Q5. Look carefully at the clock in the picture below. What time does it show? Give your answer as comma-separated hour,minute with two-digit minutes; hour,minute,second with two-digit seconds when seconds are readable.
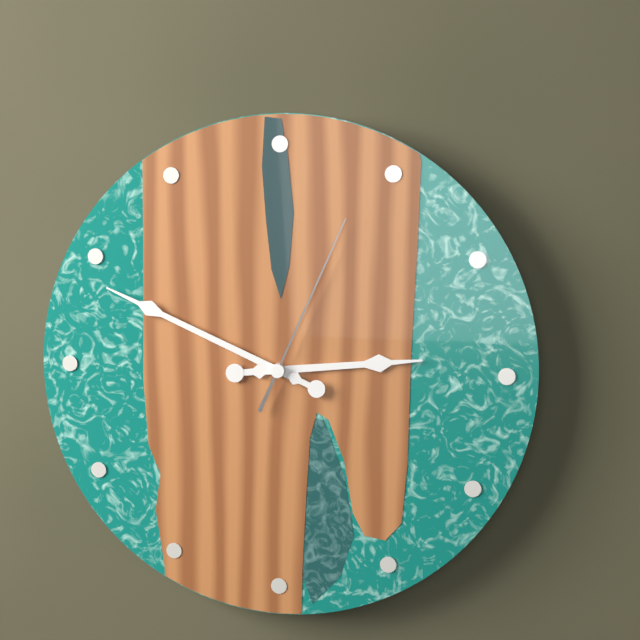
2,49,04
